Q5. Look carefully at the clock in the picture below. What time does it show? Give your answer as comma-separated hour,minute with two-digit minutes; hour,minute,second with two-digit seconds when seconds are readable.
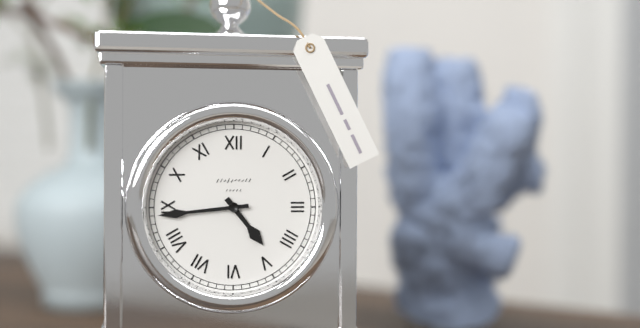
4,44
